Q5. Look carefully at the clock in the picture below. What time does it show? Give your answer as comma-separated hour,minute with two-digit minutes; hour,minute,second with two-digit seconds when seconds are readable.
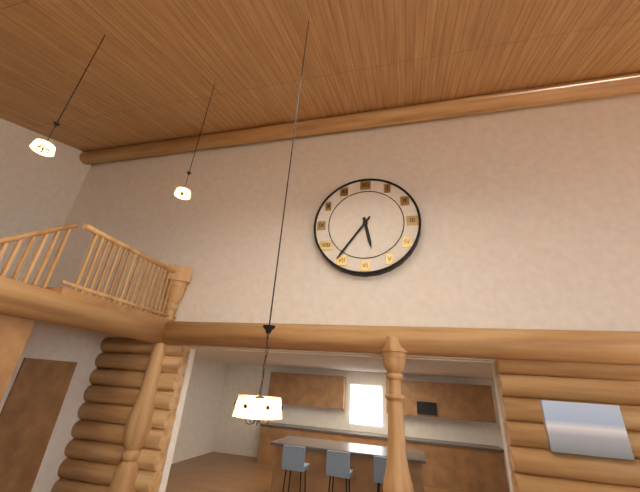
5,36
